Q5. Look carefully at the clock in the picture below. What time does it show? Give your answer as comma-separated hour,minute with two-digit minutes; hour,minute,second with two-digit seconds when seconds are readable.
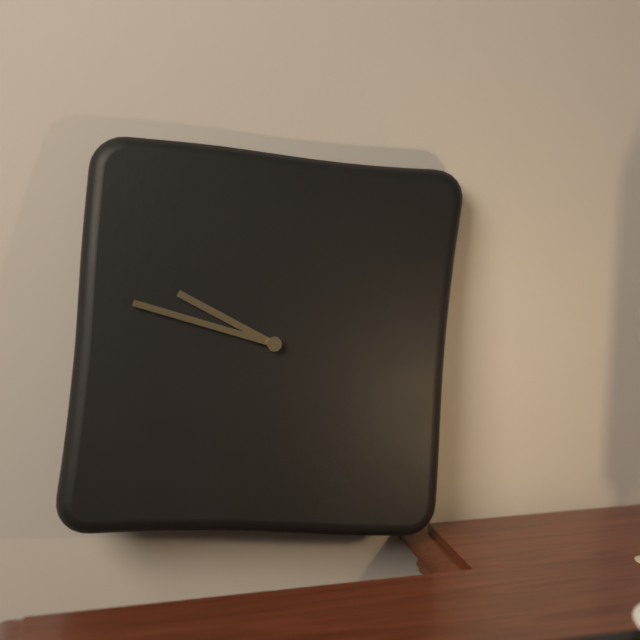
9,47
